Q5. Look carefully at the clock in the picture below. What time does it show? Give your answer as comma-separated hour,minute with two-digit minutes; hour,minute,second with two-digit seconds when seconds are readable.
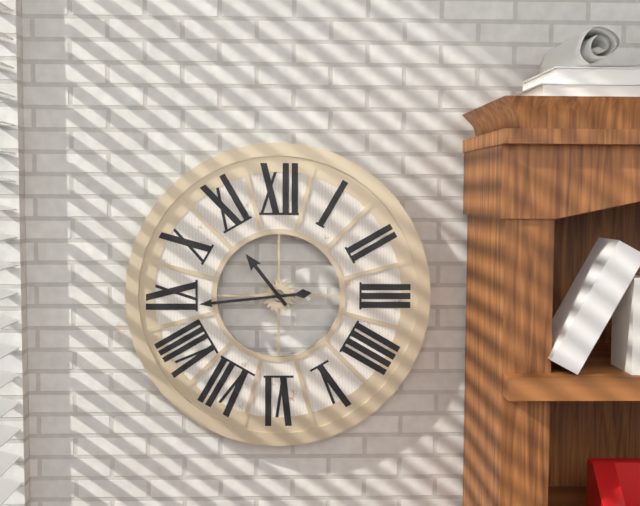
10,44
